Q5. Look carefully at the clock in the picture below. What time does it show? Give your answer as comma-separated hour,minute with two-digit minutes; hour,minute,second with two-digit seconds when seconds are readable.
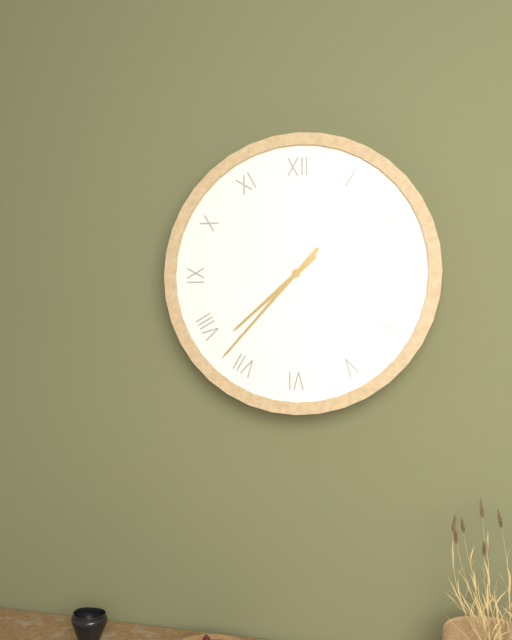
7,37
